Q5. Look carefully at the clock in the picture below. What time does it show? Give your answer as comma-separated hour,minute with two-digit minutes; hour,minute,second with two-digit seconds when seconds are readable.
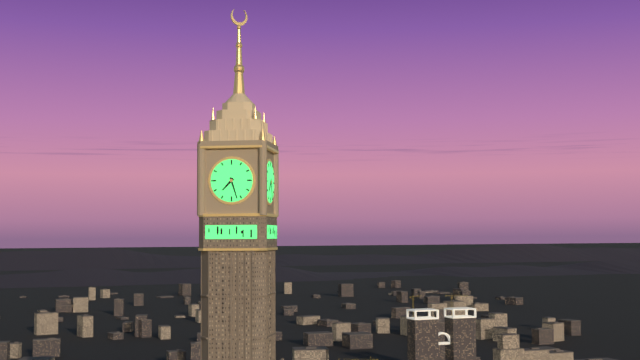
7,27
